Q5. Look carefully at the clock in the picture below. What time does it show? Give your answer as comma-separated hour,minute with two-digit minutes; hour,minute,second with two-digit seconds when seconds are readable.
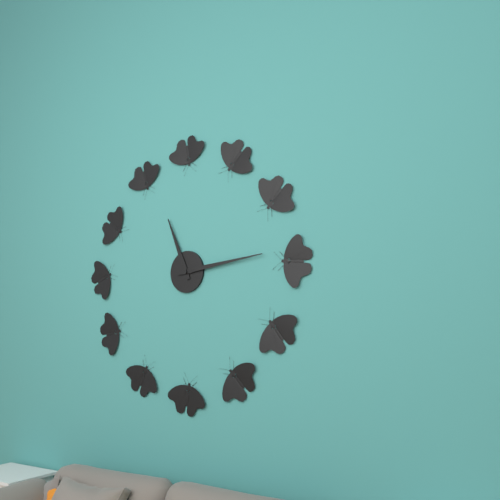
11,14
